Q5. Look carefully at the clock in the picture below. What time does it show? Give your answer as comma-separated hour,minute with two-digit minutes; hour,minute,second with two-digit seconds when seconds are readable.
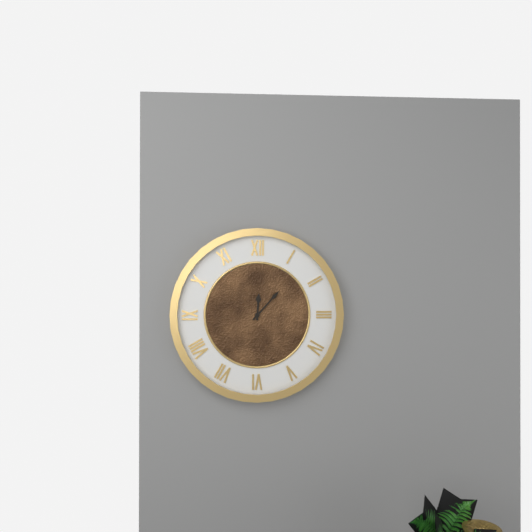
12,07
